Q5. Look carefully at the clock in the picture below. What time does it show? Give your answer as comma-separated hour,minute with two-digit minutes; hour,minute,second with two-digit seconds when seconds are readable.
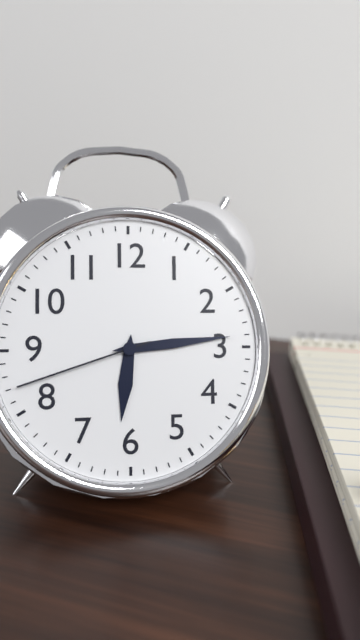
6,14,42
